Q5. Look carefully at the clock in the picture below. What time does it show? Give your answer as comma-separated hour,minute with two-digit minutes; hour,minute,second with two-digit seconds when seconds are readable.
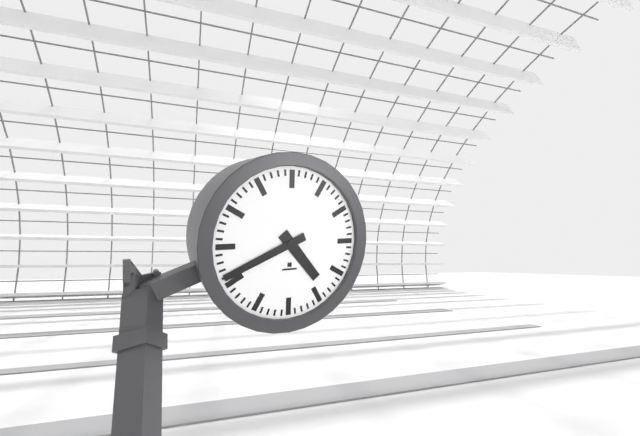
4,41
